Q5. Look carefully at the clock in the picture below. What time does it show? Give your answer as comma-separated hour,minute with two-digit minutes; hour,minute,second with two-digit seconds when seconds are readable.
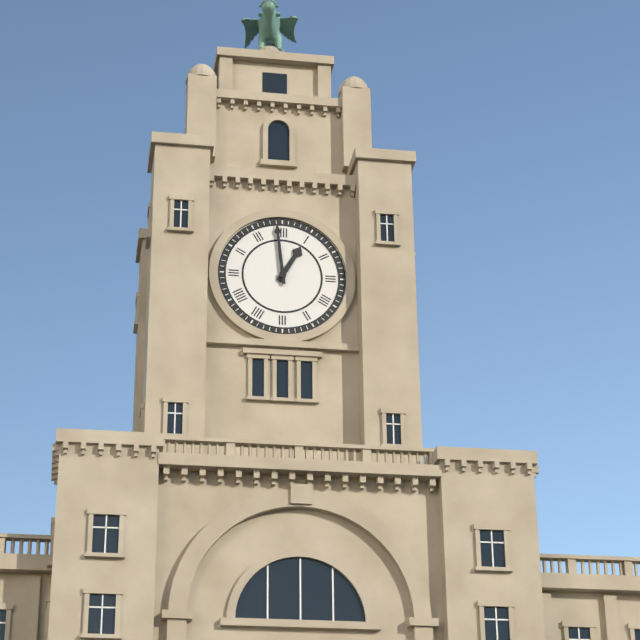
12,59
